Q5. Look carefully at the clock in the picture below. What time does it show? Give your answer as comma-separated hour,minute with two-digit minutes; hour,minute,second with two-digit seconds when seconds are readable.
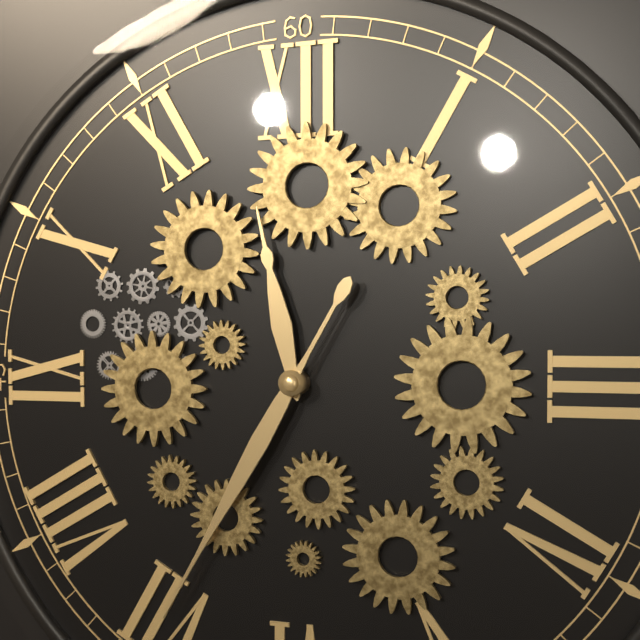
11,35
